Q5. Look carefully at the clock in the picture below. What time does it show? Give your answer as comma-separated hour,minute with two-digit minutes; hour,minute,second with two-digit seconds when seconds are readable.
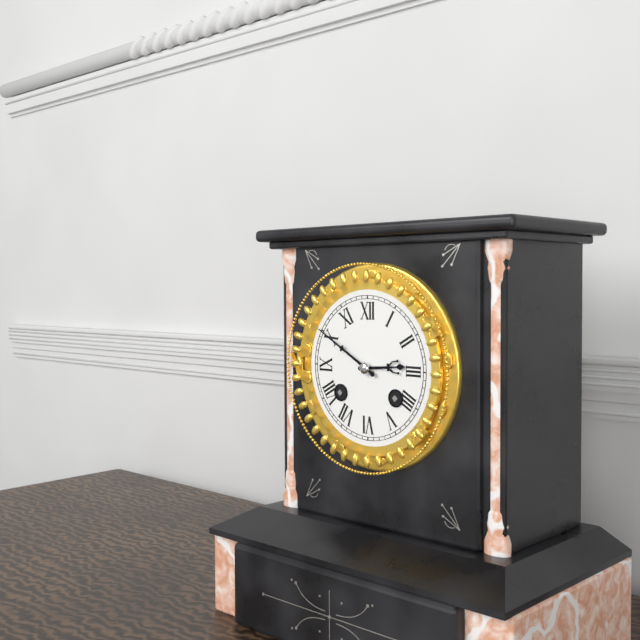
2,50
